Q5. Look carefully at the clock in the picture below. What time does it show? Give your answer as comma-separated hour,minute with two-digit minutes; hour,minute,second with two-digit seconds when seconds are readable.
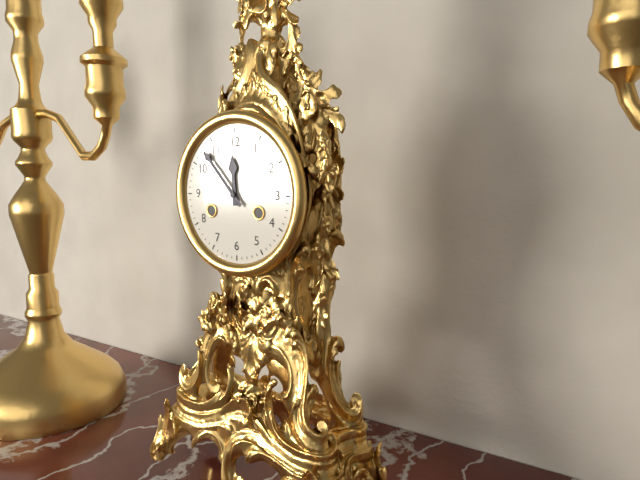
11,53
